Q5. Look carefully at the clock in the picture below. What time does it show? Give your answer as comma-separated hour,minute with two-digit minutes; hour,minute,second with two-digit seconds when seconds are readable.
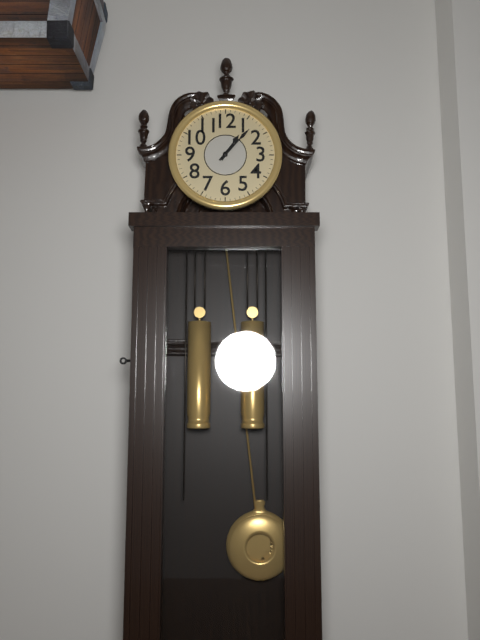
1,07
